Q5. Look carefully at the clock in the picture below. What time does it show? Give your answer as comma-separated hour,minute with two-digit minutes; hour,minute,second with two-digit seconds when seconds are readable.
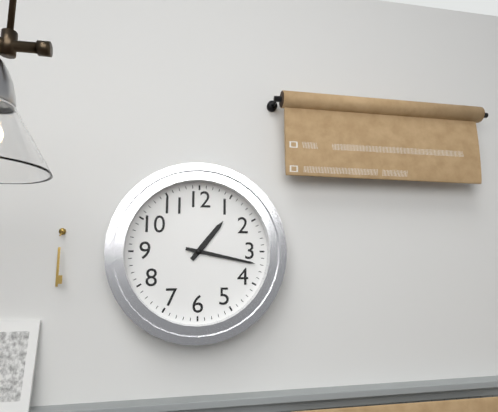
1,17
